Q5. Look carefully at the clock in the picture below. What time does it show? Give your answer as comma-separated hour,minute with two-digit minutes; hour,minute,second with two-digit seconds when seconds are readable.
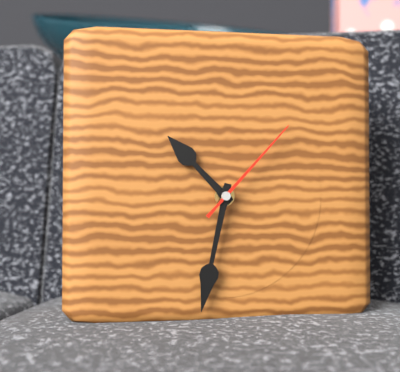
10,32,07
